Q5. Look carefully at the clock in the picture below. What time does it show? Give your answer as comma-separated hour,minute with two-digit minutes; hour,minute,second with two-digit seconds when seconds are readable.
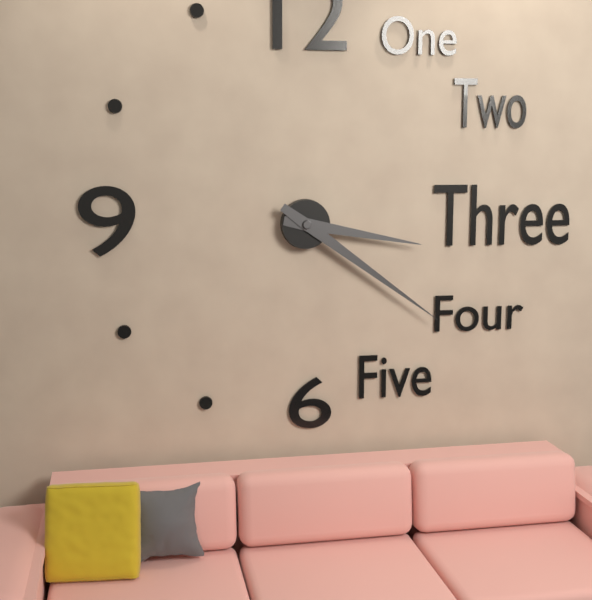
3,21
